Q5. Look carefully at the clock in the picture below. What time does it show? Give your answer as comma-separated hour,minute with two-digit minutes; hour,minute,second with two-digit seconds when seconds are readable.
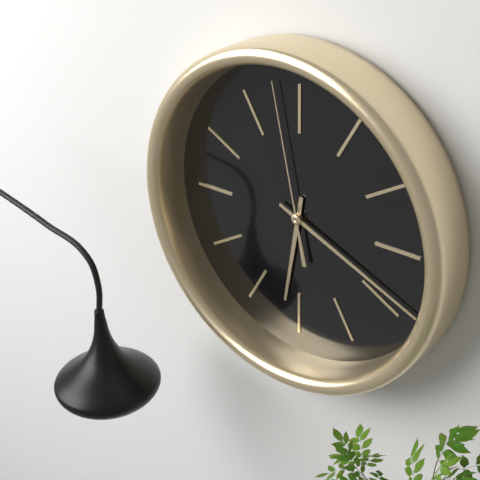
6,19,58
